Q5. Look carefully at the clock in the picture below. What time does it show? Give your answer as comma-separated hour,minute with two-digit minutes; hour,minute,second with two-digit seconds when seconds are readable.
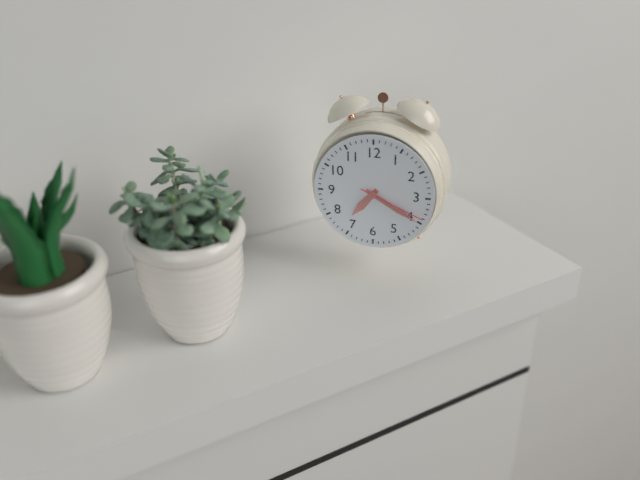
7,20,19
